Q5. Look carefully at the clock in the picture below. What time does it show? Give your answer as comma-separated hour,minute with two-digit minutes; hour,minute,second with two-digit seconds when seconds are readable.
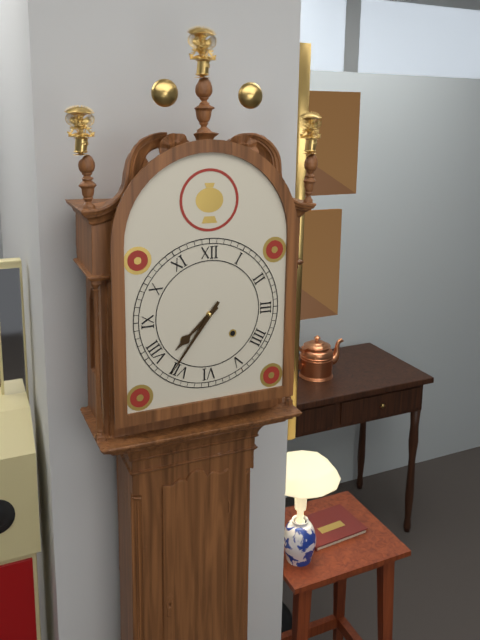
7,36
